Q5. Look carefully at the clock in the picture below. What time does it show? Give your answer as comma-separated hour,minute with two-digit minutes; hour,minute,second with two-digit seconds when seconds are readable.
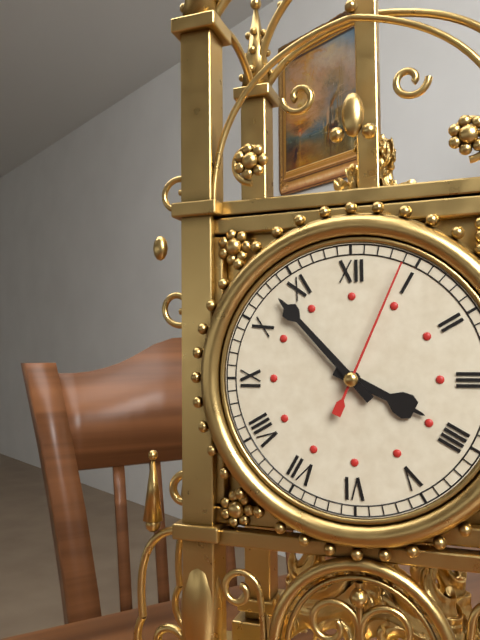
3,53,04
